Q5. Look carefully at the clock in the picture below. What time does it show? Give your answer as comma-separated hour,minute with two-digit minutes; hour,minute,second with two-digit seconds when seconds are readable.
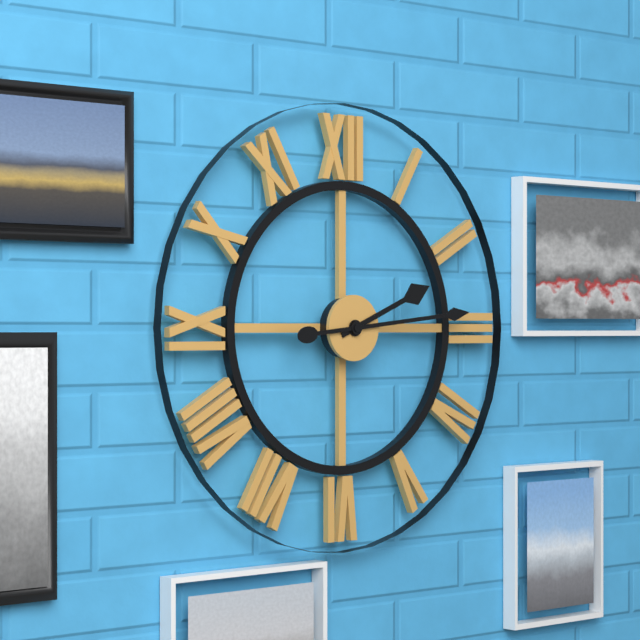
2,14
